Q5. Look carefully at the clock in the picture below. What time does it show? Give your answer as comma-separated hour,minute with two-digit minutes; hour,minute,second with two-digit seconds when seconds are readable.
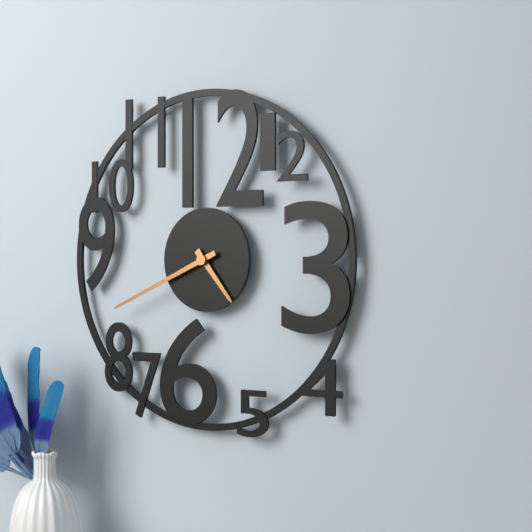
4,41
